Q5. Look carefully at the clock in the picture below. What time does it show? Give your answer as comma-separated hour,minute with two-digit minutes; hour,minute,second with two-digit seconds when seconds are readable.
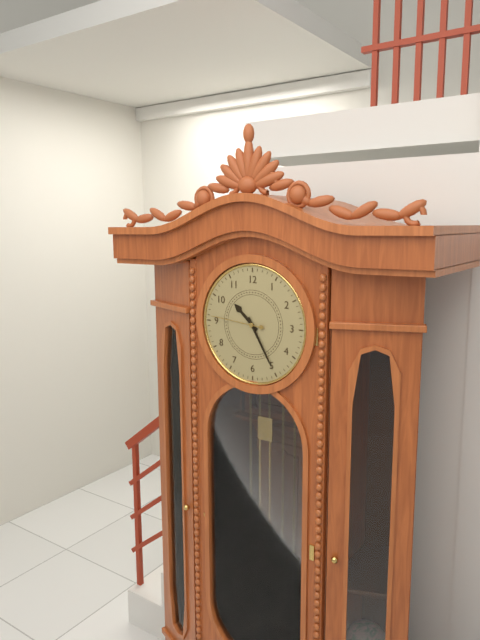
10,25,46
